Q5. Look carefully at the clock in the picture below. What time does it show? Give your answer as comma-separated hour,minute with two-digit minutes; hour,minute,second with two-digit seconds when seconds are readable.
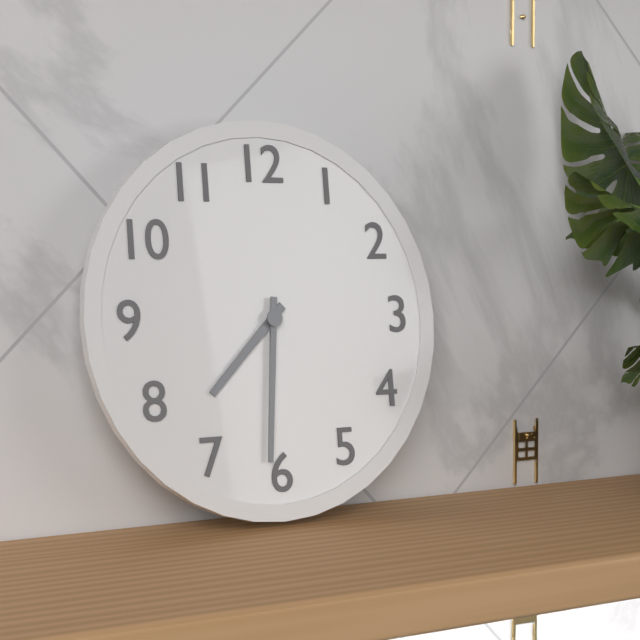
7,31
